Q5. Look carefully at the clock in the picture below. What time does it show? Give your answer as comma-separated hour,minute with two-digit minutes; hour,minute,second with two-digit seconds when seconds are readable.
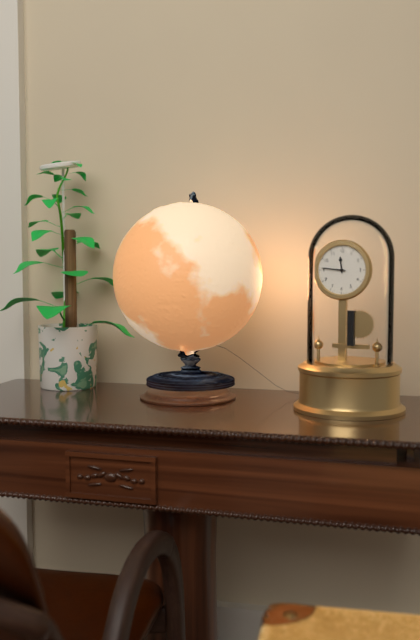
11,46
